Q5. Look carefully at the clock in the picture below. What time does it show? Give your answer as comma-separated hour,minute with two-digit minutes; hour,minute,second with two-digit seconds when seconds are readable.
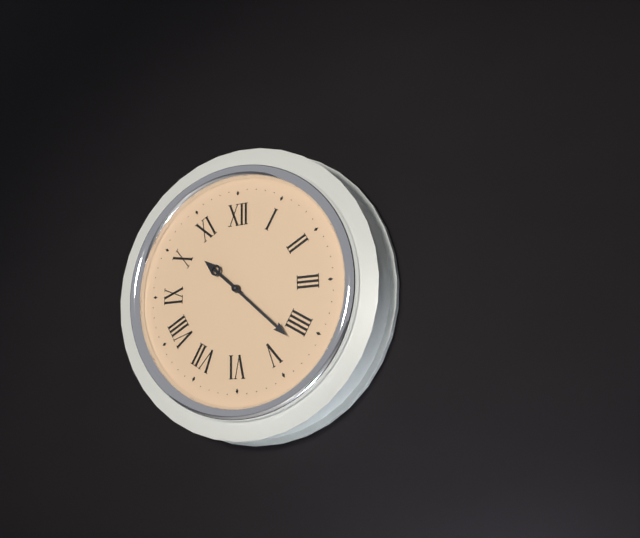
10,22
